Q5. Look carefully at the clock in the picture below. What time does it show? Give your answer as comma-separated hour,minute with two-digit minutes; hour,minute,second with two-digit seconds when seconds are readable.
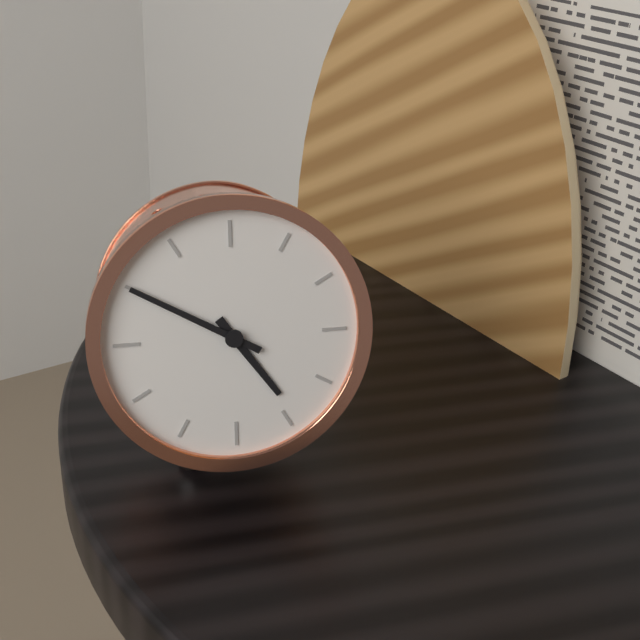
4,50
